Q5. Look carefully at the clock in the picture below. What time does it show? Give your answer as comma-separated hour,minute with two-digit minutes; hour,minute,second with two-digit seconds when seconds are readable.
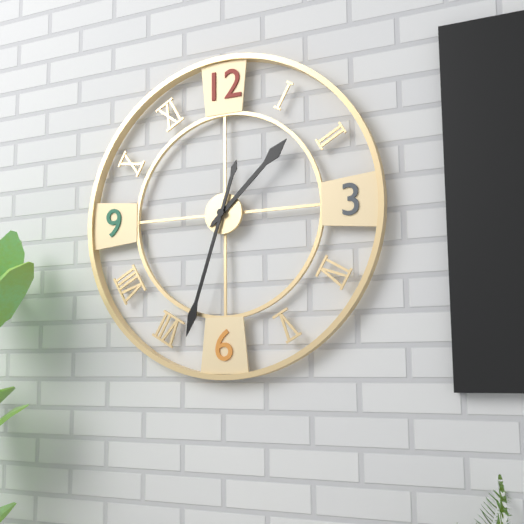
1,33
